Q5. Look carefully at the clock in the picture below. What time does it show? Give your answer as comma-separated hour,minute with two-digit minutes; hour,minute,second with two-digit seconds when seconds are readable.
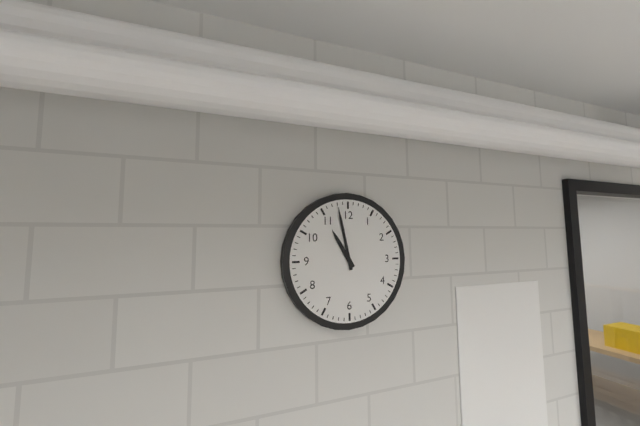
10,58
